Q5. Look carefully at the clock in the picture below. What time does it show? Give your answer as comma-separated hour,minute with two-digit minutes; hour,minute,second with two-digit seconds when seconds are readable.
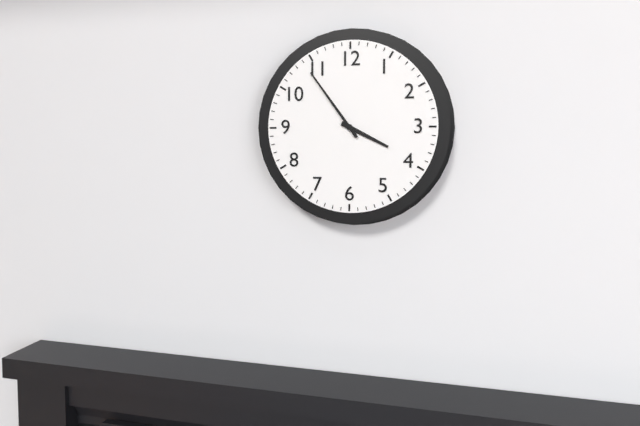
3,54
